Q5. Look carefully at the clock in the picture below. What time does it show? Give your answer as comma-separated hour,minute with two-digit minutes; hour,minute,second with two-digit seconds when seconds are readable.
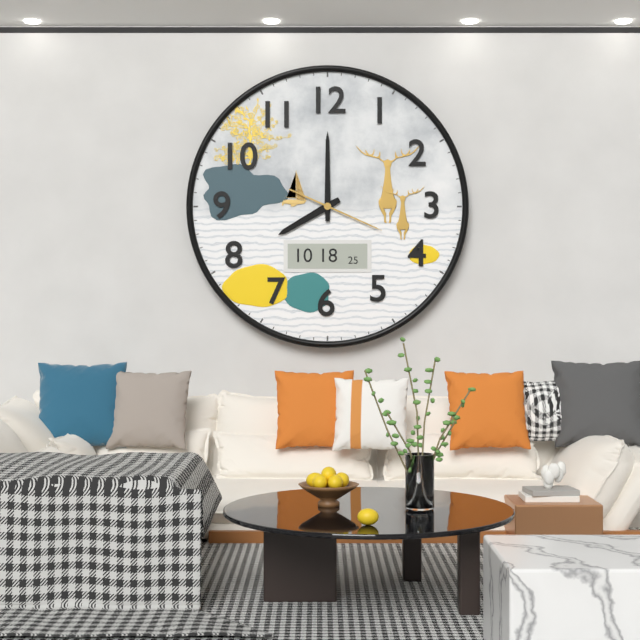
8,00,19
